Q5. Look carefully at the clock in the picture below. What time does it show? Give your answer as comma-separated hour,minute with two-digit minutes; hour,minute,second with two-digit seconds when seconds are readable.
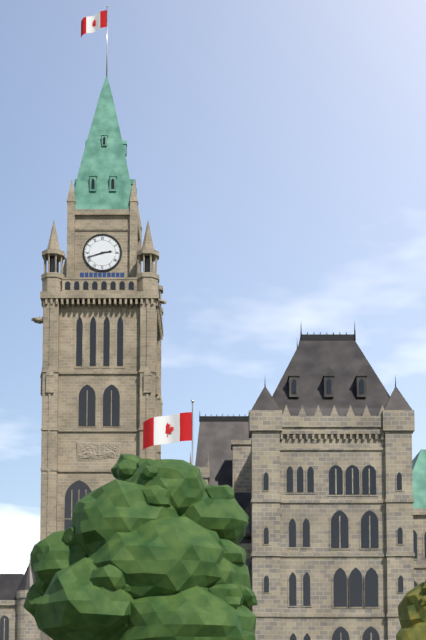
2,42
